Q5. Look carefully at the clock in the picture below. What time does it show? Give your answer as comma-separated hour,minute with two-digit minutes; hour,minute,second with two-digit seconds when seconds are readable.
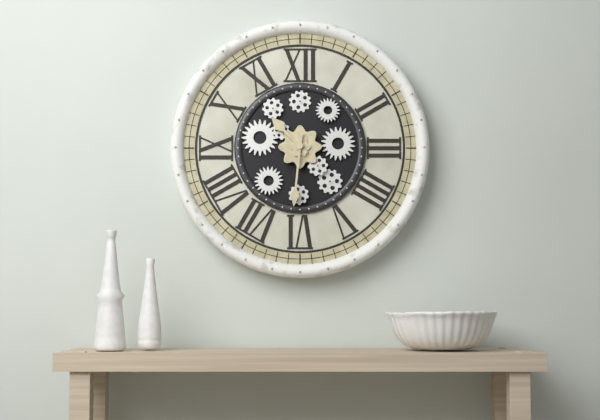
10,31
